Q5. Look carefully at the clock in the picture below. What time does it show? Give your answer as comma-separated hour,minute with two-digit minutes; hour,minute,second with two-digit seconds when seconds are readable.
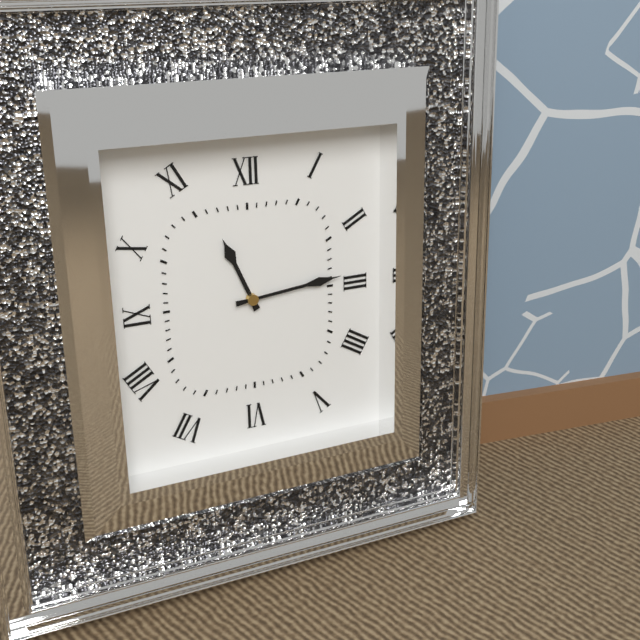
11,14
